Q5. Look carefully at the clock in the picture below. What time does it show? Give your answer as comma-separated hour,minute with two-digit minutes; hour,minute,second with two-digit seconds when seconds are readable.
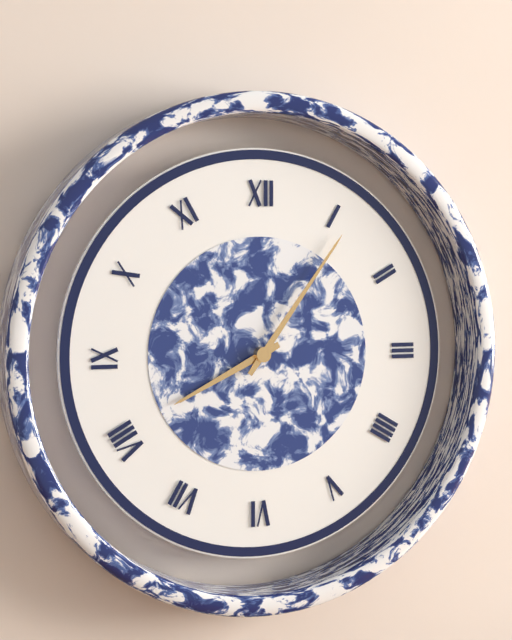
8,06
